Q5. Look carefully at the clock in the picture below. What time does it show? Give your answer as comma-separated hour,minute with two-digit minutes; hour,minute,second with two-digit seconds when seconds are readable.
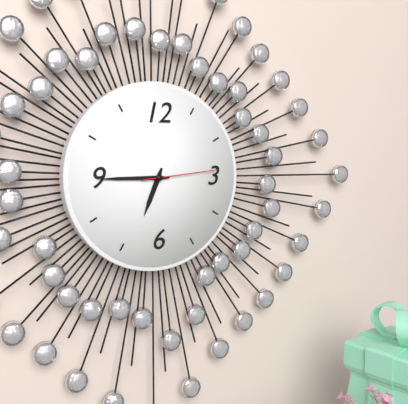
6,45,14
